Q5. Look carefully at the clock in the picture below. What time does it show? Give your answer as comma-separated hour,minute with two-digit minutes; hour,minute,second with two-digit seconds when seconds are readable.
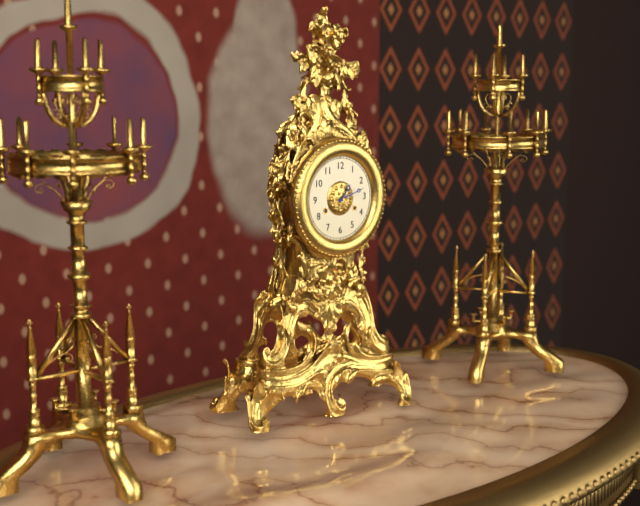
1,12
